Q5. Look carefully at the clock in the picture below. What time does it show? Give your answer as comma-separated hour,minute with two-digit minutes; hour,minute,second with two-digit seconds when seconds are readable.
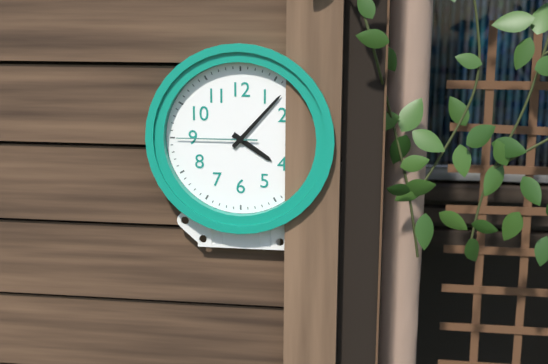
4,07,45
